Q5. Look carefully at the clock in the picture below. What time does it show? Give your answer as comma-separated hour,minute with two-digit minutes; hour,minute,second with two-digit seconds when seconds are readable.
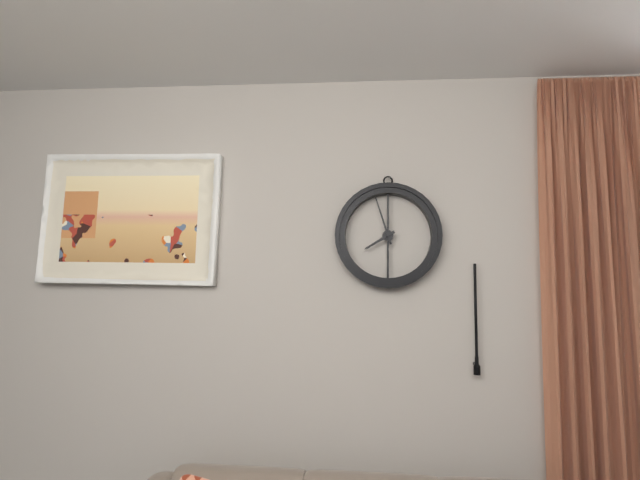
7,57
